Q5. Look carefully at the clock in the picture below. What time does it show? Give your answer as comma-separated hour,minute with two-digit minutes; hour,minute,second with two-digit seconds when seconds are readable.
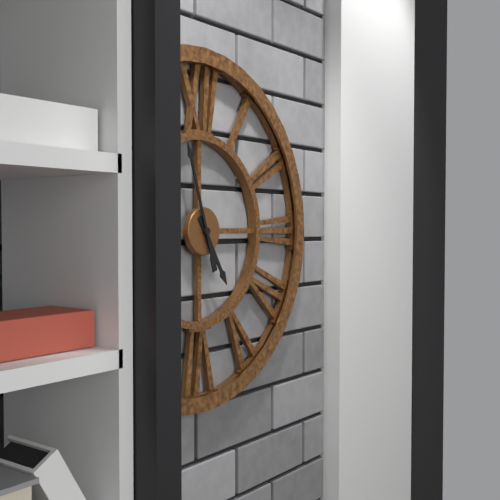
4,57
